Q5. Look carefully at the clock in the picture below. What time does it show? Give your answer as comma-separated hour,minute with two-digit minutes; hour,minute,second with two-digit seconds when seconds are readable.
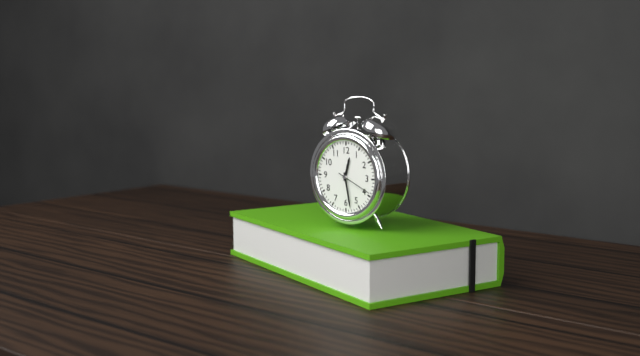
12,28
